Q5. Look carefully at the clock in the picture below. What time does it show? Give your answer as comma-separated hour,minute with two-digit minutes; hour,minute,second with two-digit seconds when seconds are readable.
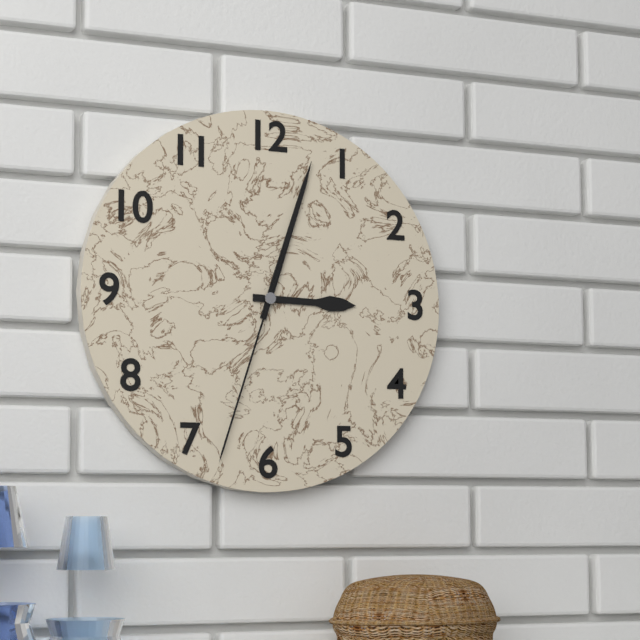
3,03,33
